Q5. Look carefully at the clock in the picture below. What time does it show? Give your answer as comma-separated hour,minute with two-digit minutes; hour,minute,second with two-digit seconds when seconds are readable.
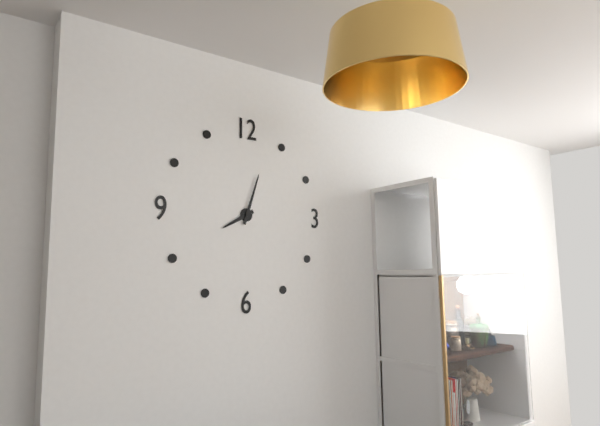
8,03
